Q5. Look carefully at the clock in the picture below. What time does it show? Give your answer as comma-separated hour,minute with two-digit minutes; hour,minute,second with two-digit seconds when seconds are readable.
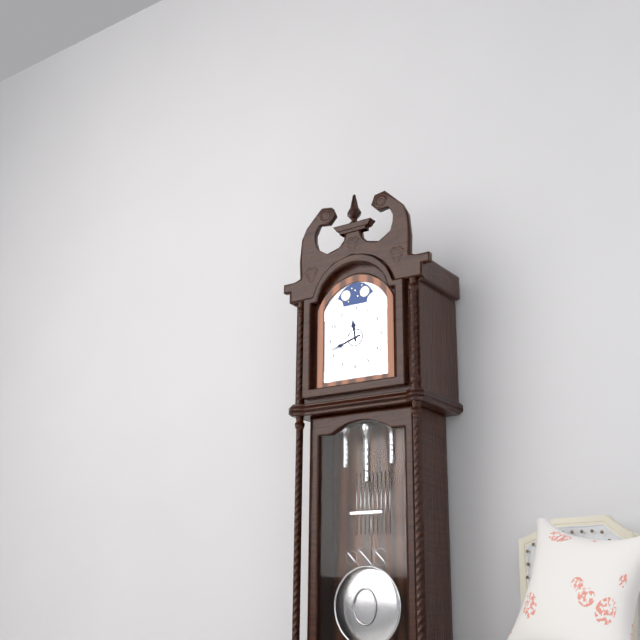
11,42
